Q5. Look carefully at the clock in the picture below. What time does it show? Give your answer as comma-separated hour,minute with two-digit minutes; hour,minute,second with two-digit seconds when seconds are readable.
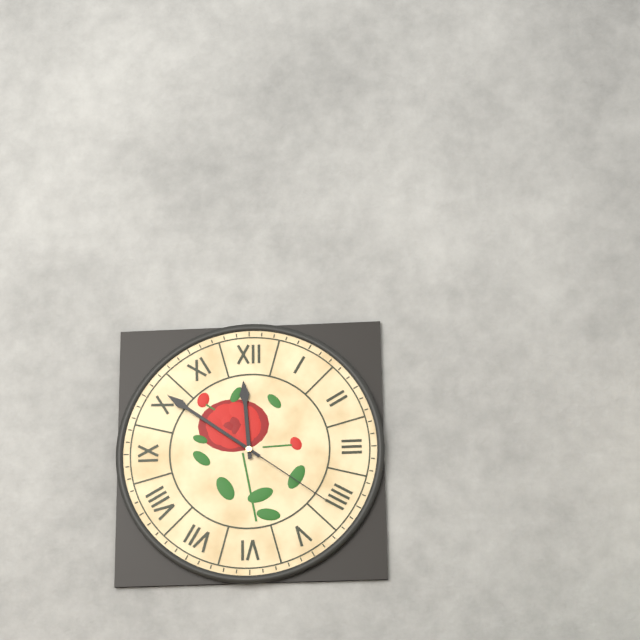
11,51,21
